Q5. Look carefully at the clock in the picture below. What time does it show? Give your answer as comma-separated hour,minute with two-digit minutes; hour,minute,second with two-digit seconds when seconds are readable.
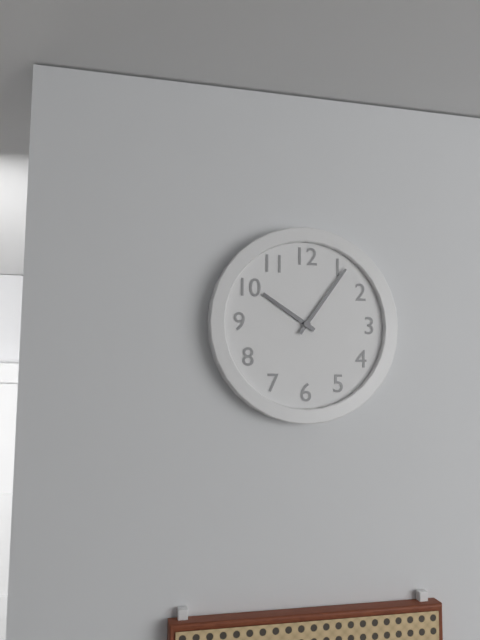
10,06
